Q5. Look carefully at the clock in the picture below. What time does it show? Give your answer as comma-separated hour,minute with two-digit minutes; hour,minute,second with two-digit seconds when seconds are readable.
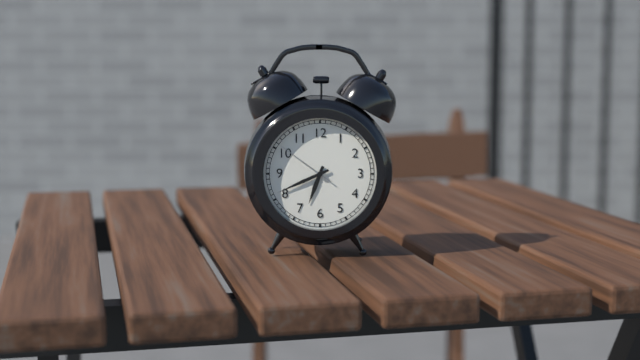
6,41,51
